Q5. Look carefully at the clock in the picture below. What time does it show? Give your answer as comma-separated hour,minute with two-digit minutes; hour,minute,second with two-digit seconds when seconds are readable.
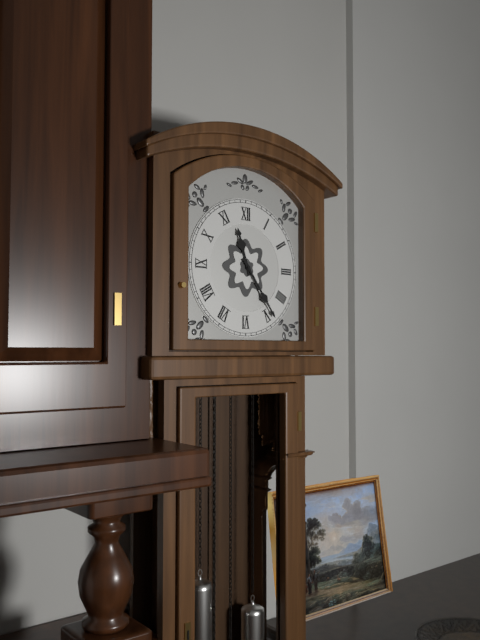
11,24
